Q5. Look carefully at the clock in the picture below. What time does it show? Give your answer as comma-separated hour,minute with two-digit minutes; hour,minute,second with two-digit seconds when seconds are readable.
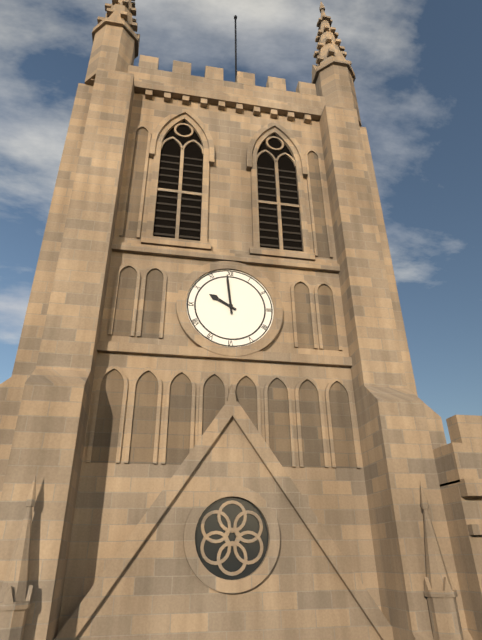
9,59
